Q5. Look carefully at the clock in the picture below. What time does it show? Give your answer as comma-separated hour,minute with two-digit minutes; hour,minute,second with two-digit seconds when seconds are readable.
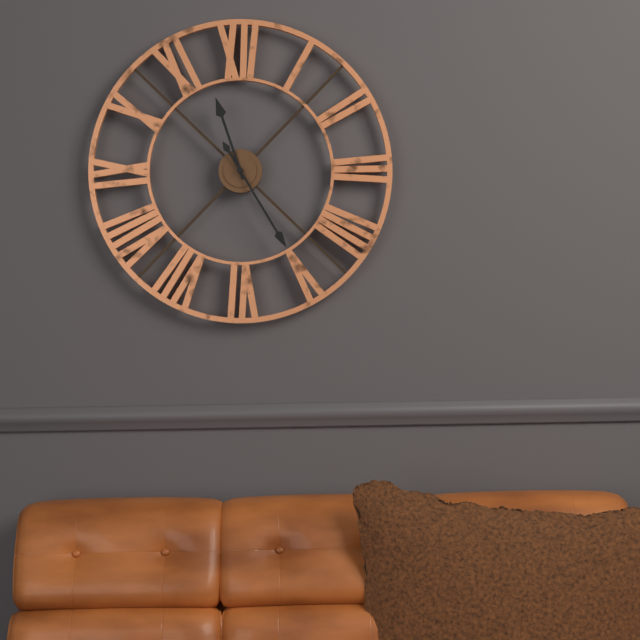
11,25
